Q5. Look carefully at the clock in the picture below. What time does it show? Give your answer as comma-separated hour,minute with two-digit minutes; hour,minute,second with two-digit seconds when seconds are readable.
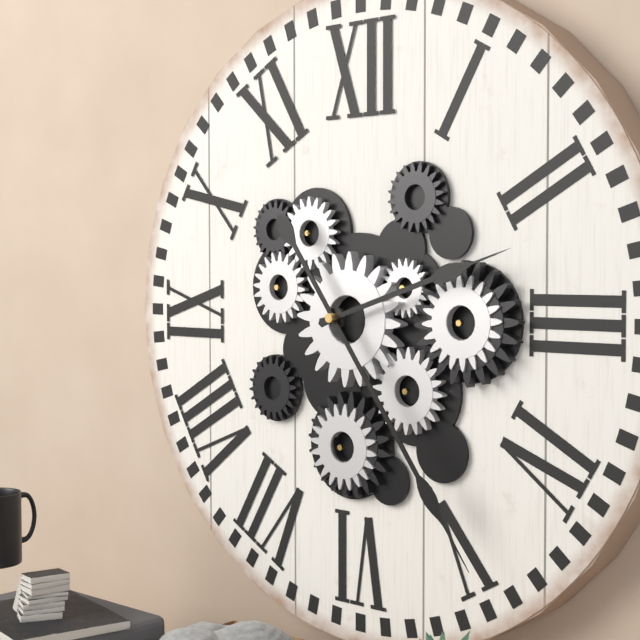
2,24
